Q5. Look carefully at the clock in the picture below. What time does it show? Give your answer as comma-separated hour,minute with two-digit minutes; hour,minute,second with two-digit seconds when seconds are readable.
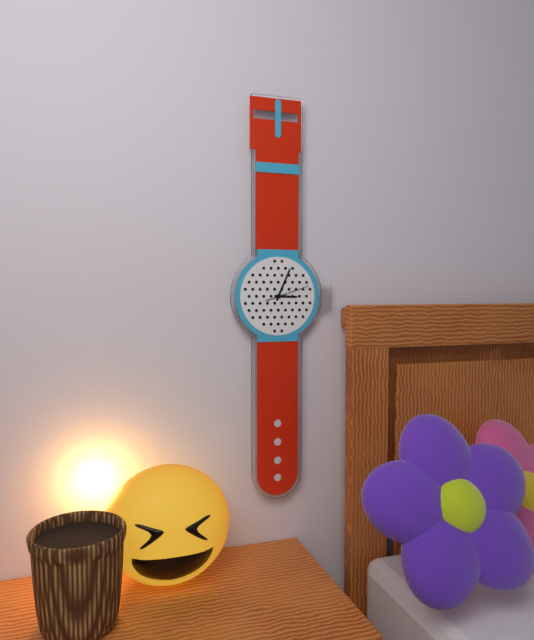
3,04
